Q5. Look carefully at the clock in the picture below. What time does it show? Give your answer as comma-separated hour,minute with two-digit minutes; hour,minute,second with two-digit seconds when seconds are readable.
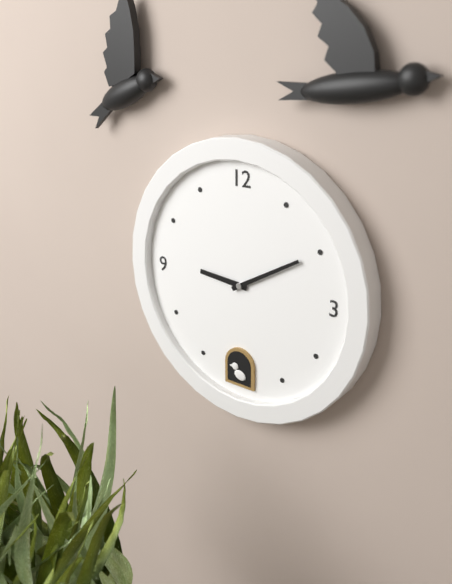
9,10
